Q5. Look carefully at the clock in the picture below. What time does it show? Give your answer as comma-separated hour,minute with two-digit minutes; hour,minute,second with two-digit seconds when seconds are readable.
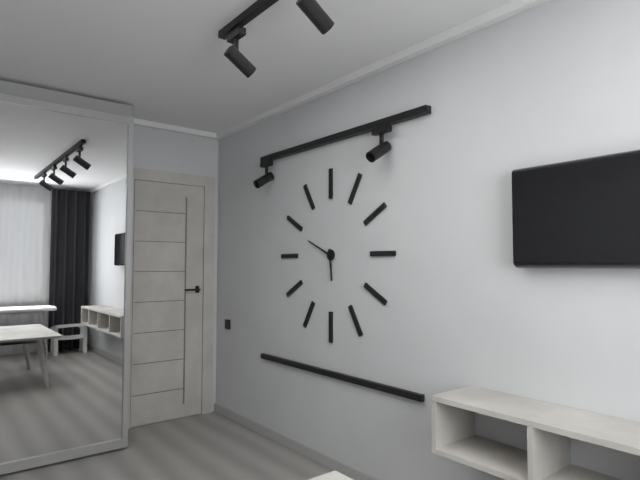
5,49
